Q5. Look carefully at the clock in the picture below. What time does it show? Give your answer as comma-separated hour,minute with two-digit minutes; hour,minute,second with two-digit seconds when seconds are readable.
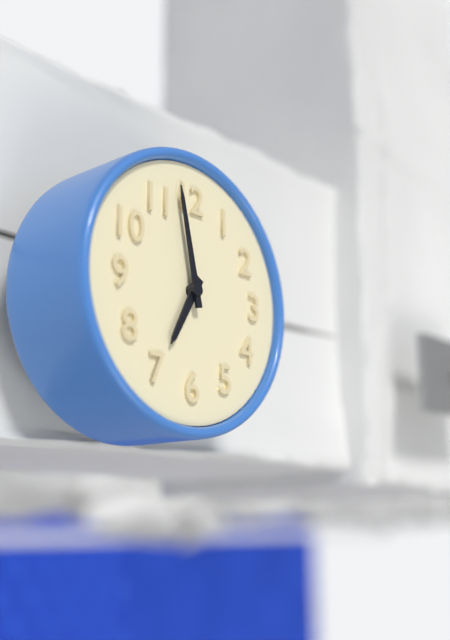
6,58
